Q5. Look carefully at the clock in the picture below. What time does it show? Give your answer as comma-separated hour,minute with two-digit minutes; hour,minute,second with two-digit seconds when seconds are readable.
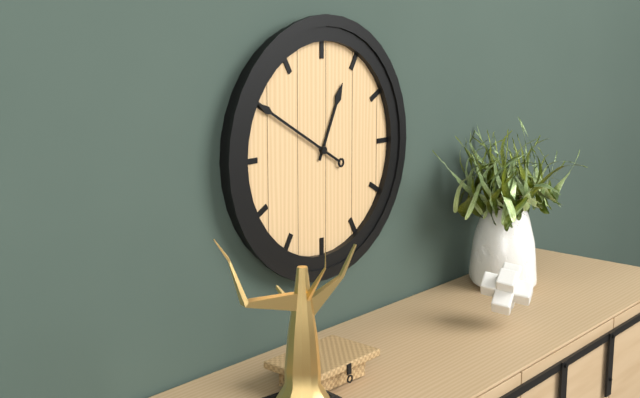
12,50
